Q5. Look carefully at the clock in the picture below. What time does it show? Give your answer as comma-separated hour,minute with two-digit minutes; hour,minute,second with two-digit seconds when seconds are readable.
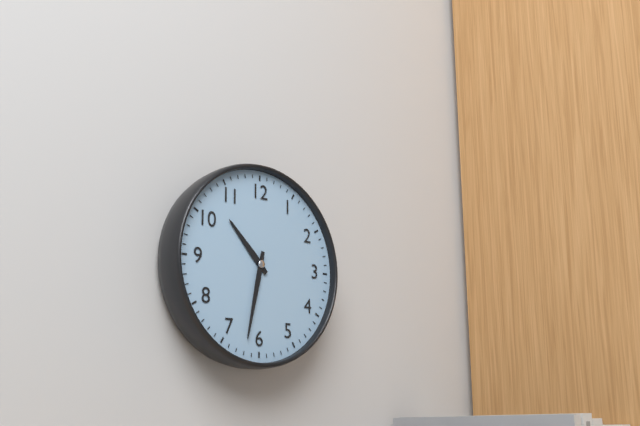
10,32
